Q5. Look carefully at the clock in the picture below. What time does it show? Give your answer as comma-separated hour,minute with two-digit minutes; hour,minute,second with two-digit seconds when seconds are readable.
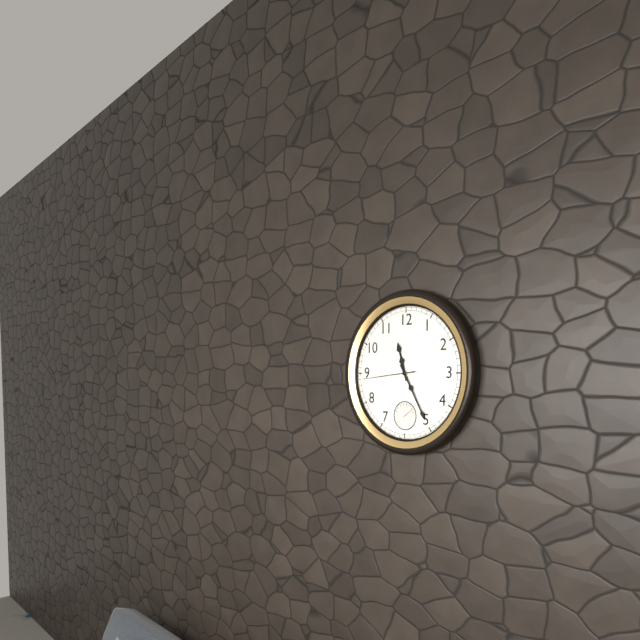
11,25,44
